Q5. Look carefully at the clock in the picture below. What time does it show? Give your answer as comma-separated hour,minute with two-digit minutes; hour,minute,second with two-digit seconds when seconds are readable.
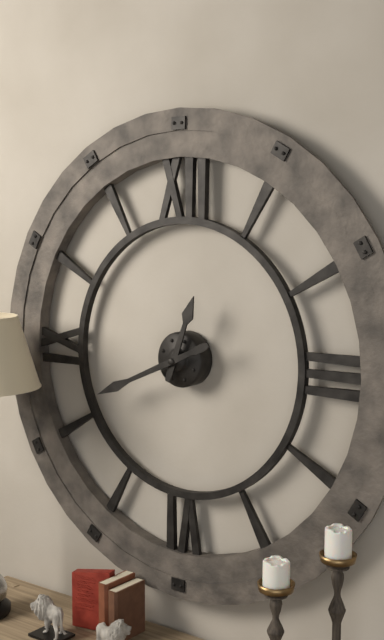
12,41
